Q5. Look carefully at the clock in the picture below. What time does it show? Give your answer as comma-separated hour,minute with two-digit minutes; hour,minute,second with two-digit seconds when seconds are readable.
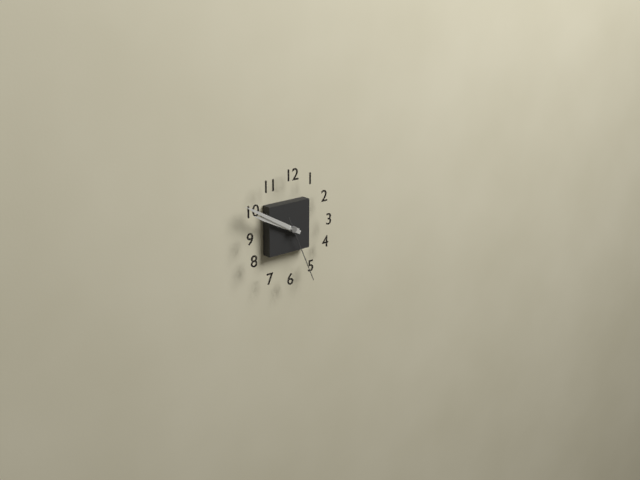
9,50,26
